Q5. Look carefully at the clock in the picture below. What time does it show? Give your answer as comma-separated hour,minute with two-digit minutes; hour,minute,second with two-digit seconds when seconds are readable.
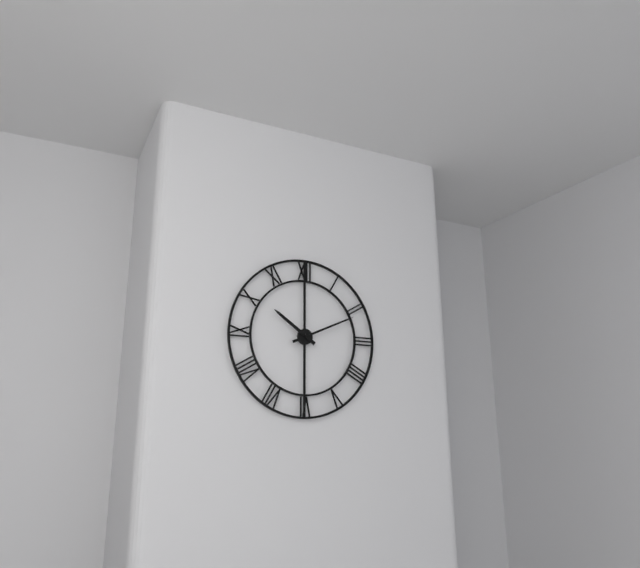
10,11
